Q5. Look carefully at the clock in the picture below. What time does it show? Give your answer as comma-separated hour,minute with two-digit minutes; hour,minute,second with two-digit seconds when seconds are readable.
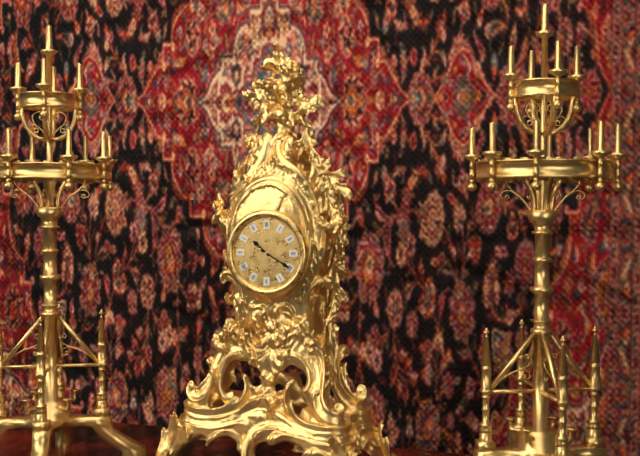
10,20
